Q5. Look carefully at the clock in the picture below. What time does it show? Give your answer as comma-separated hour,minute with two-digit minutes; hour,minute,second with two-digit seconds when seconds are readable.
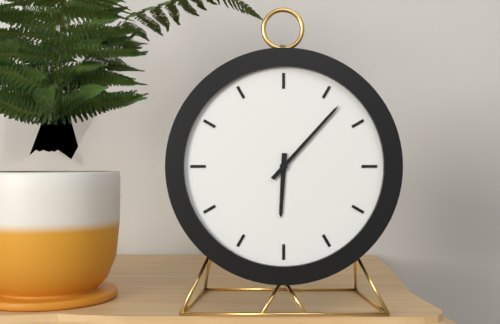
6,07
